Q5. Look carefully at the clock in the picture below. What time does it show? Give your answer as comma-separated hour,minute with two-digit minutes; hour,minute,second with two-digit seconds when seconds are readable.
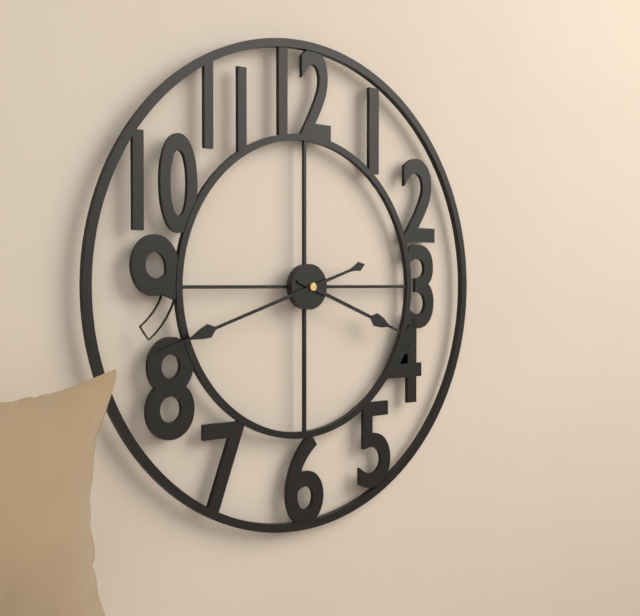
3,42
